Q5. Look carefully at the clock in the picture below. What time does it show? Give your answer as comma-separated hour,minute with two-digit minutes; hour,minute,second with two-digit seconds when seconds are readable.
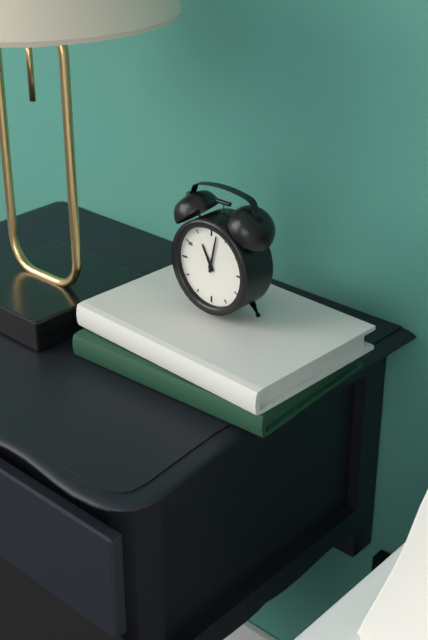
11,02
